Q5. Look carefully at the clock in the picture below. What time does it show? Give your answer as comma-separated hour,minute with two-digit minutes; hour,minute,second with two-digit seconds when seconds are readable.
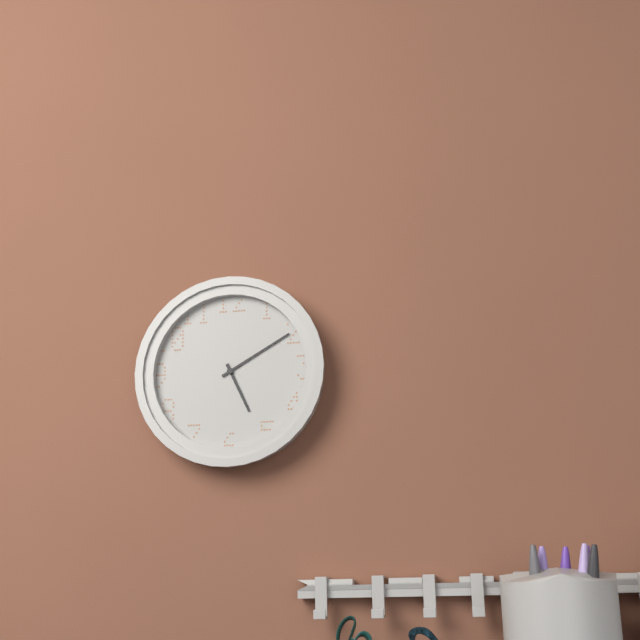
5,10
